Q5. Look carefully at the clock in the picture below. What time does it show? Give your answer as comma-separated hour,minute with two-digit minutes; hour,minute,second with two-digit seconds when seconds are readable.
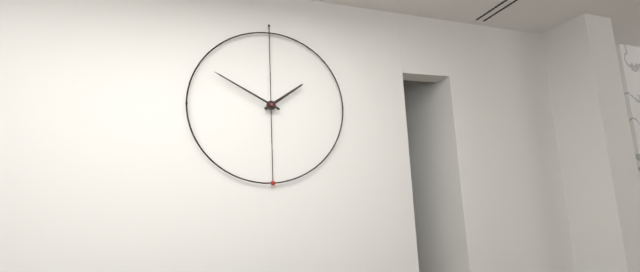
1,50
